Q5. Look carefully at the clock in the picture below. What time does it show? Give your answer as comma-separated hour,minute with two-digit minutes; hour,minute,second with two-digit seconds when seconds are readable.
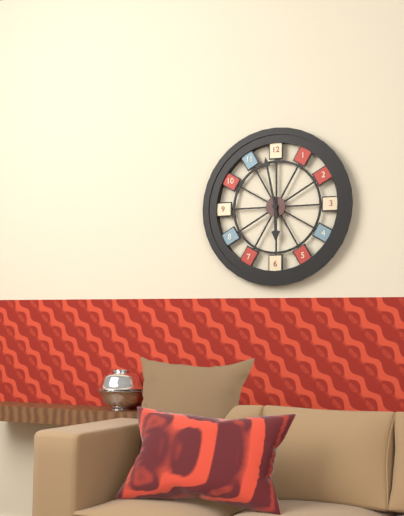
5,58
